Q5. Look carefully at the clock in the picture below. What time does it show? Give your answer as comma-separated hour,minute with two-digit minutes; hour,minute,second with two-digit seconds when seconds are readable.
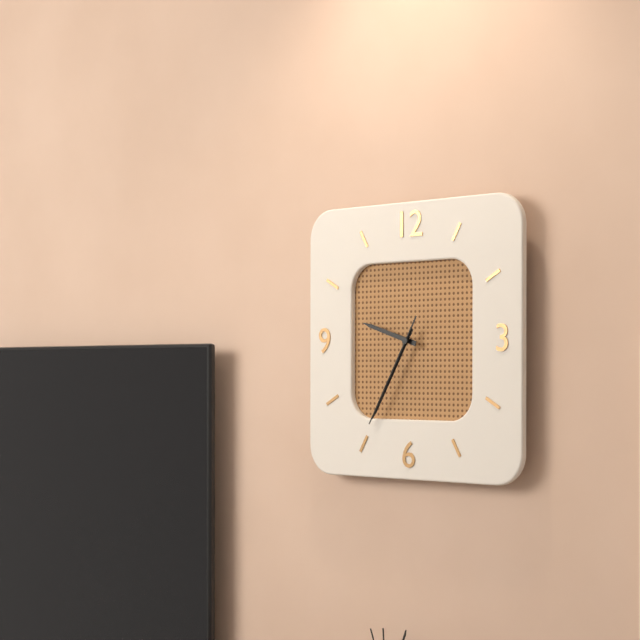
9,35,35
